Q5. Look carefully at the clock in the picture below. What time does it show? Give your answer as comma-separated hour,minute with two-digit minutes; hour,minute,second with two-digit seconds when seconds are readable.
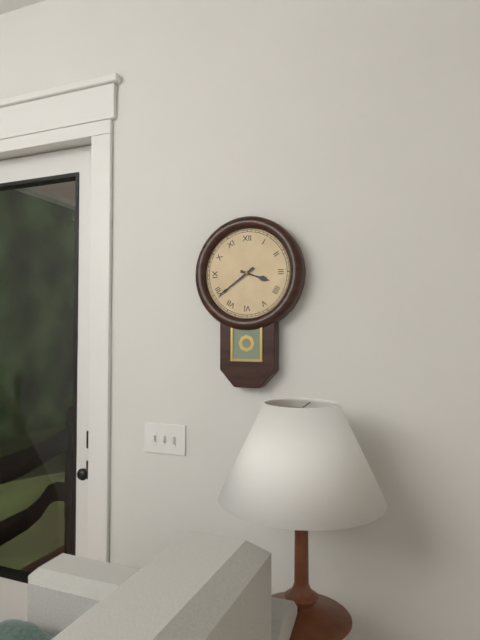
3,39
